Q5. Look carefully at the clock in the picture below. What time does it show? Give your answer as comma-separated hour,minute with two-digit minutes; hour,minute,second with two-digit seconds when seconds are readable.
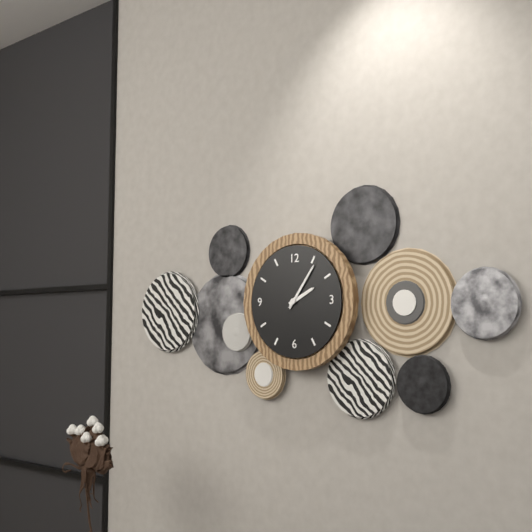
2,06
